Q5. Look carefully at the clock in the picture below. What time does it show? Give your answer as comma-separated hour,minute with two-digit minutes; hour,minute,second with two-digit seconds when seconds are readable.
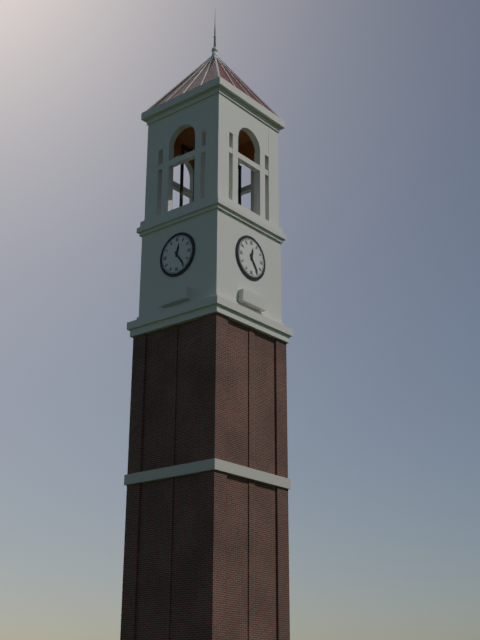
12,24
